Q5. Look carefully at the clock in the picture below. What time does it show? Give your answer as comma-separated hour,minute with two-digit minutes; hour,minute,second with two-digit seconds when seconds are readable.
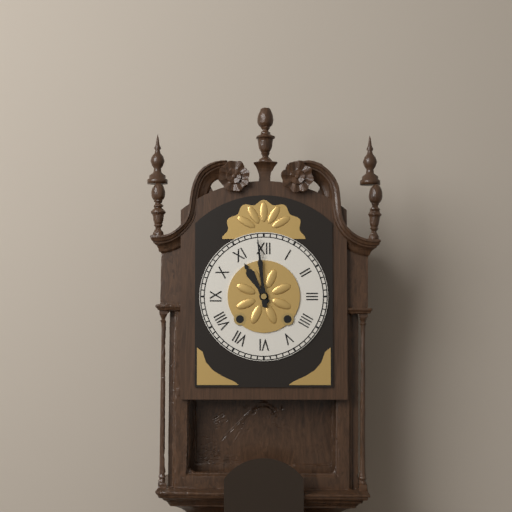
10,59
